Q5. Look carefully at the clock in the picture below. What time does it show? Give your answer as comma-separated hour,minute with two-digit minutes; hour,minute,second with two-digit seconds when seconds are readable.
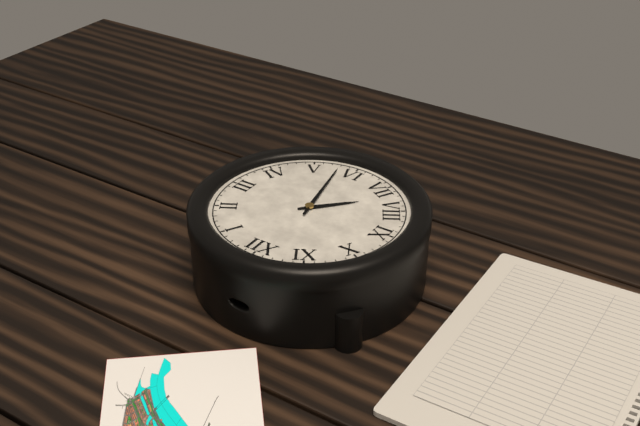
7,28
